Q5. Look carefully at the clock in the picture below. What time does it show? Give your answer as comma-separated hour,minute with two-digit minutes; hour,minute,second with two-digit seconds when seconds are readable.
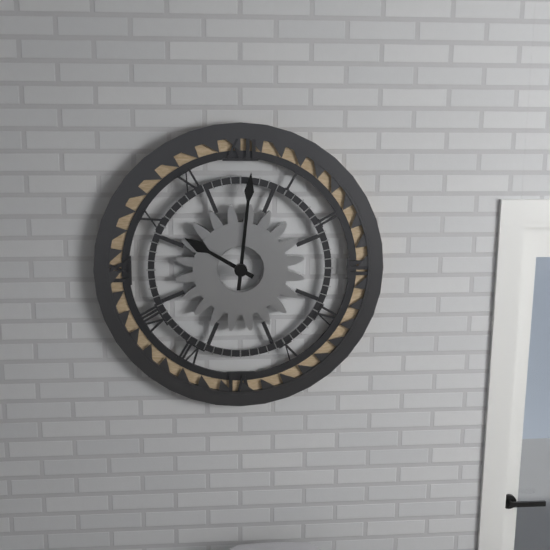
10,01
